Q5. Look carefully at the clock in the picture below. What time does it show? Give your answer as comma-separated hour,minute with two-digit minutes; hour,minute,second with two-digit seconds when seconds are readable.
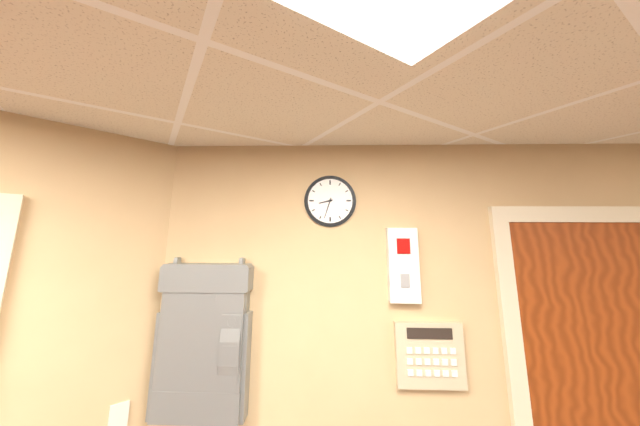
8,33
